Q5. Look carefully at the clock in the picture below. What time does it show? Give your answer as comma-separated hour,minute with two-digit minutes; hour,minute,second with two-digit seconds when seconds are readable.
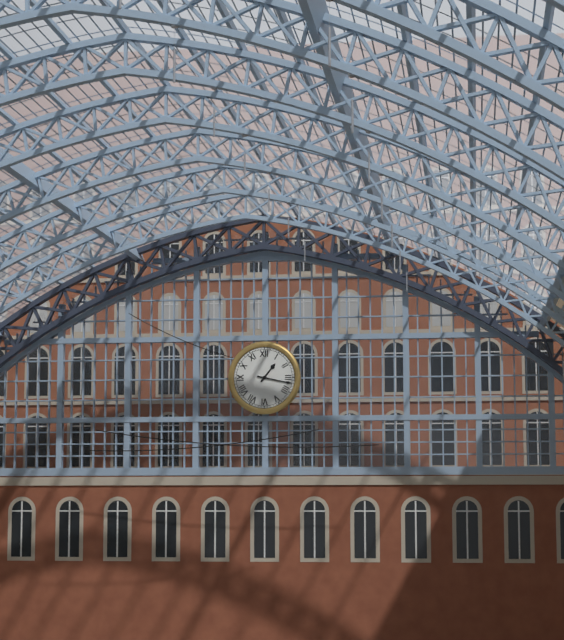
1,17
